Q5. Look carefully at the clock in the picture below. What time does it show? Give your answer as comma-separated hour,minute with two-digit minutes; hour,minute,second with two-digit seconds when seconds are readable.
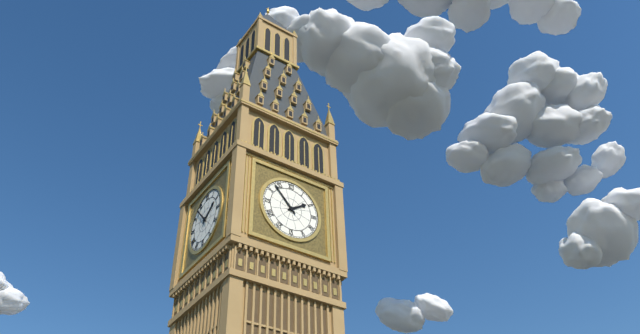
1,53
